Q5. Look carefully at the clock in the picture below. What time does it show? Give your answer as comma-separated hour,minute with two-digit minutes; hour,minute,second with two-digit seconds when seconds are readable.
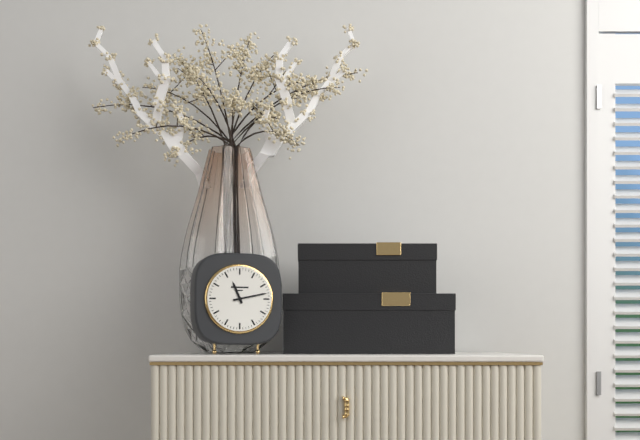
11,13
